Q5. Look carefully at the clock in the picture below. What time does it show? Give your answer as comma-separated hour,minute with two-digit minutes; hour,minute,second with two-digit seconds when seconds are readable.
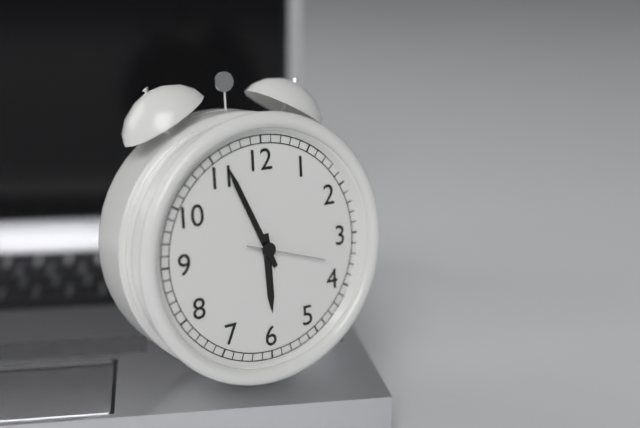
5,56,18
